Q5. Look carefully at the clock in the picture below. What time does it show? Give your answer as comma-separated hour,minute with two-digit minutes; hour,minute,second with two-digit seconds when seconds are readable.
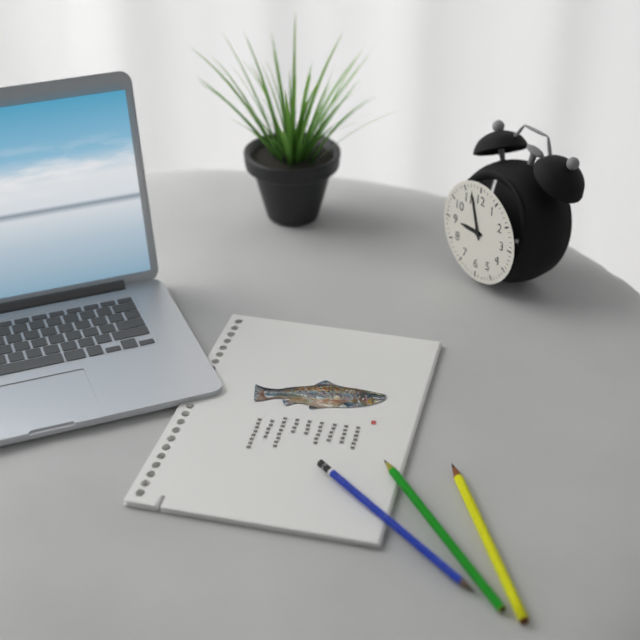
8,57
